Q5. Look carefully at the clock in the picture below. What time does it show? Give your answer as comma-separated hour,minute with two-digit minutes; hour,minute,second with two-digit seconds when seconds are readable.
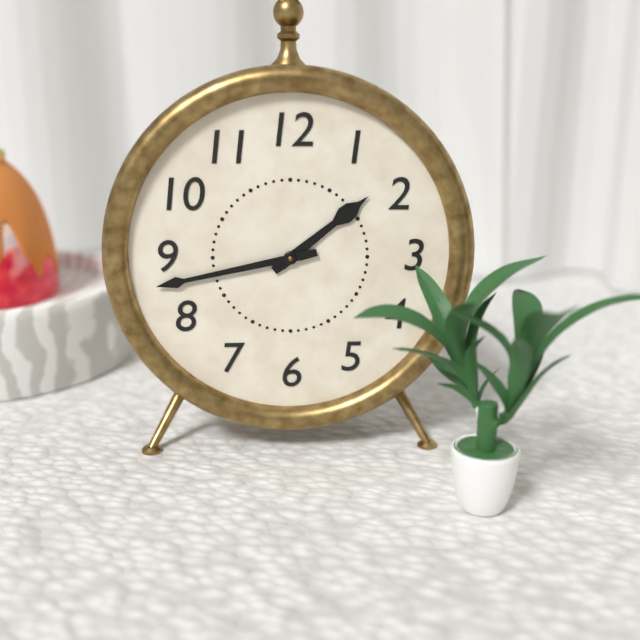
1,43
